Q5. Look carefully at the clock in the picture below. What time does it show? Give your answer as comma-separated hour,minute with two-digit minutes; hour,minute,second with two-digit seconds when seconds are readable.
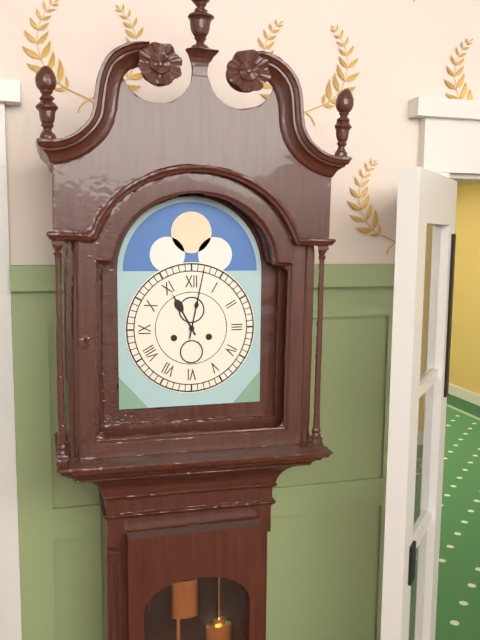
11,02
